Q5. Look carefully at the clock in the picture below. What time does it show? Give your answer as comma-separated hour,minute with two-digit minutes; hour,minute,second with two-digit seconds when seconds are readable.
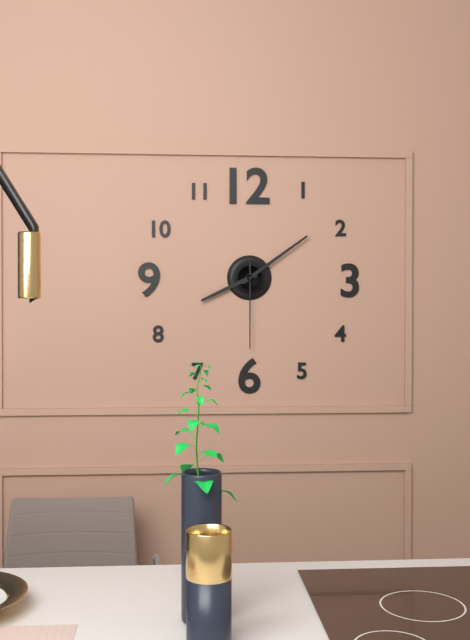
8,09,30
